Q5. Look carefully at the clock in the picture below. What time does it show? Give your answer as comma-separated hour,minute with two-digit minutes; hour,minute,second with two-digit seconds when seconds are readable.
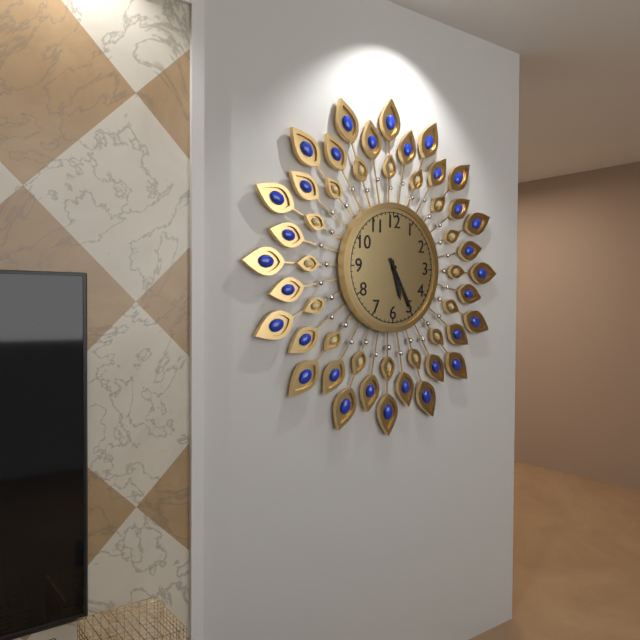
5,25
